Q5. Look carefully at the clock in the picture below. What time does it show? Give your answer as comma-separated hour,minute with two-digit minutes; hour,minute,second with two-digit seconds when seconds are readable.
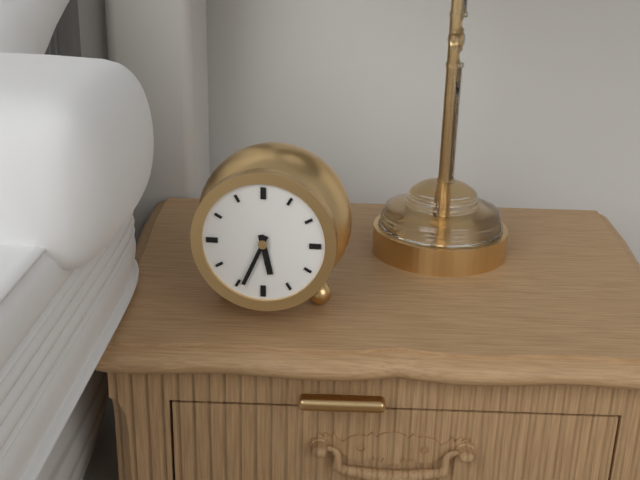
5,34
